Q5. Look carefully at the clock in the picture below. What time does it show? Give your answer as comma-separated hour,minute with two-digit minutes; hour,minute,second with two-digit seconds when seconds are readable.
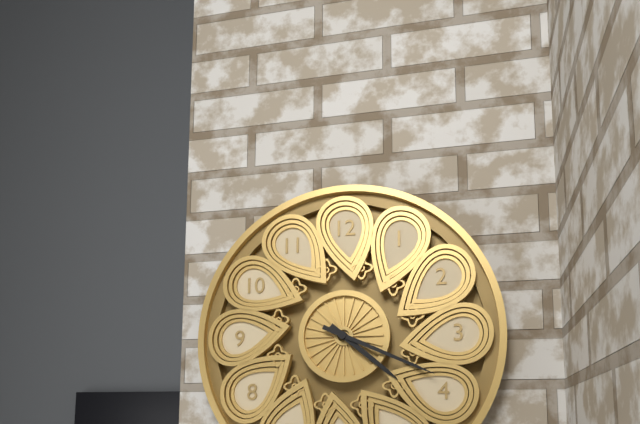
4,19
